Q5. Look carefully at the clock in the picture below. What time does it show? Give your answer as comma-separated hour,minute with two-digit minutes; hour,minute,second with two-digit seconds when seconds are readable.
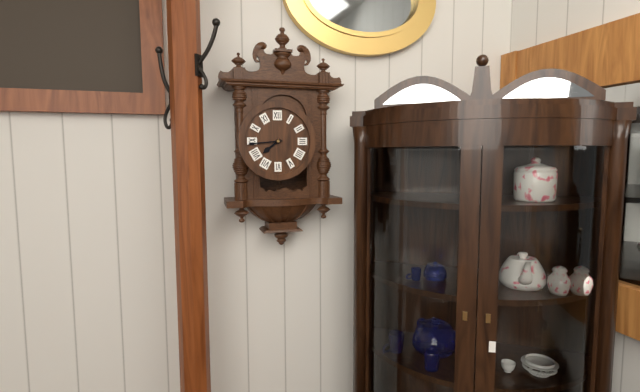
7,44
